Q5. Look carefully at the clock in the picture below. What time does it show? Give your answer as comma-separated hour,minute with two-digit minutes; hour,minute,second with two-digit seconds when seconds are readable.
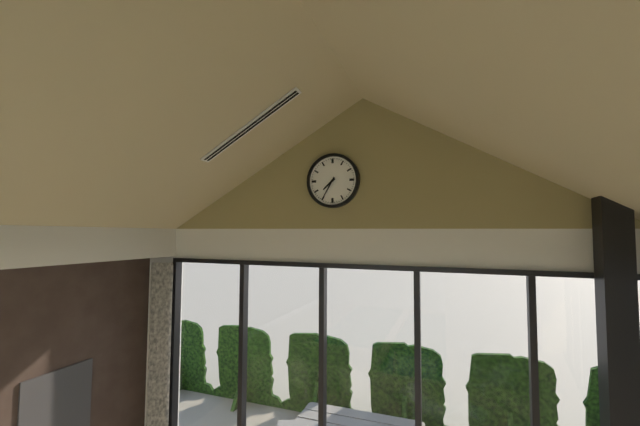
7,35
